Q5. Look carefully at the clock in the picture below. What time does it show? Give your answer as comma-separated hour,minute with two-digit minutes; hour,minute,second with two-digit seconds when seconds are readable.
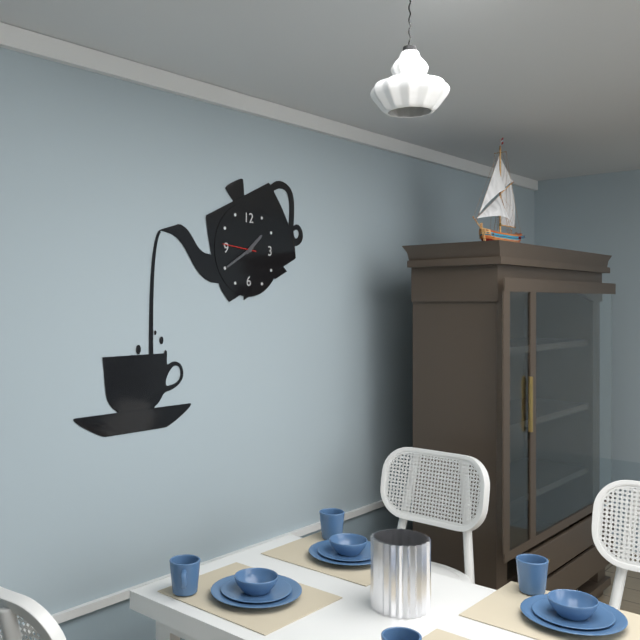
1,40
